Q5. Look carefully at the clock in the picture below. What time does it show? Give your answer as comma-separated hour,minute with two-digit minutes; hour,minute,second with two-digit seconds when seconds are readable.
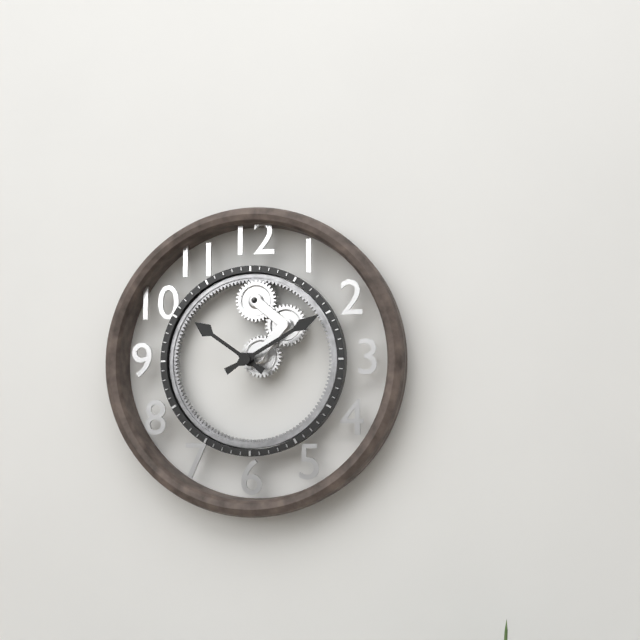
10,10
